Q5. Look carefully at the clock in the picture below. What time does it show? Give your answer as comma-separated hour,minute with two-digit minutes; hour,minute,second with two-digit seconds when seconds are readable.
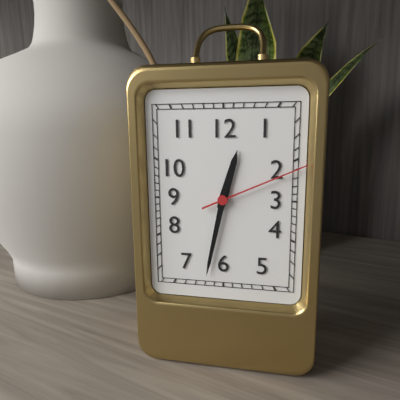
12,32,11
